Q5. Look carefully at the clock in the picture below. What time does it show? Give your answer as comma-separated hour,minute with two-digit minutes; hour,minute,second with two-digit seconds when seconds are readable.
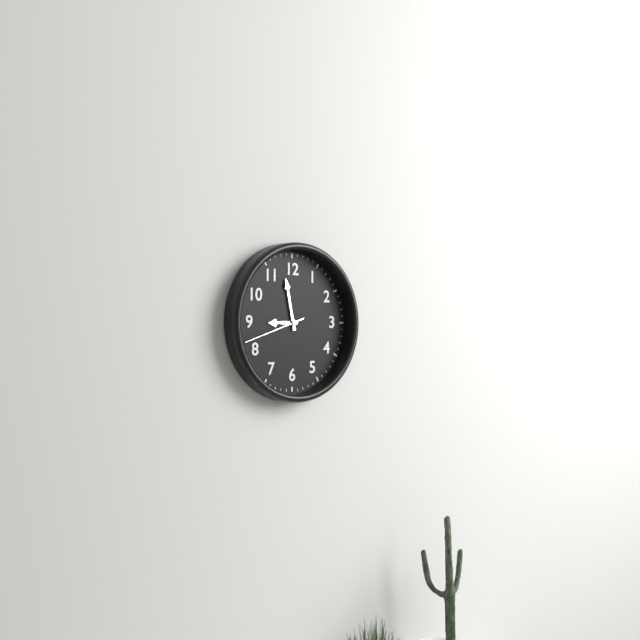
8,58,42
